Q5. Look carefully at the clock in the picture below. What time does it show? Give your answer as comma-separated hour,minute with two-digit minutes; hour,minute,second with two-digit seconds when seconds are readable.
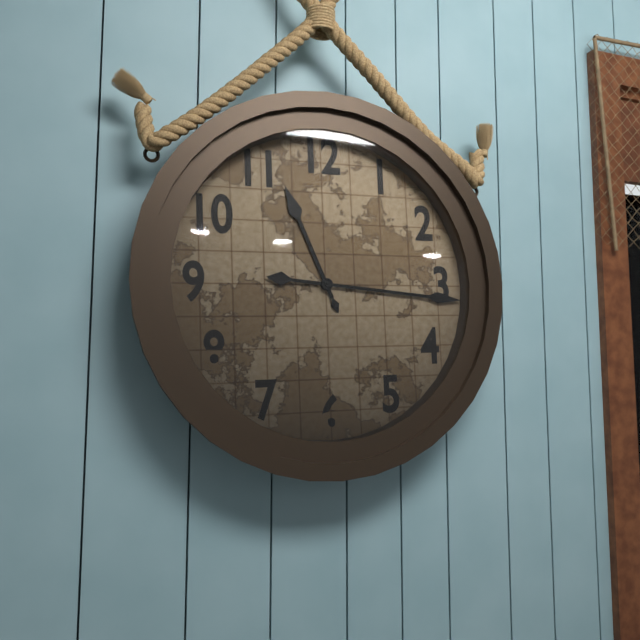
11,16
